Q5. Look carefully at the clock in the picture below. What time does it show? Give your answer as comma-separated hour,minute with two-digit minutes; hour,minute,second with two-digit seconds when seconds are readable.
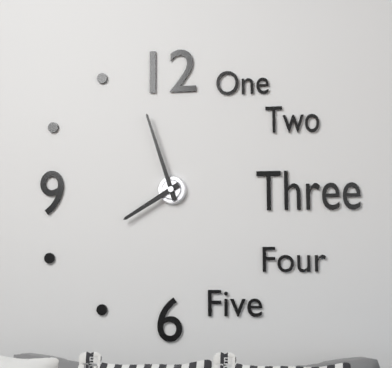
7,57
